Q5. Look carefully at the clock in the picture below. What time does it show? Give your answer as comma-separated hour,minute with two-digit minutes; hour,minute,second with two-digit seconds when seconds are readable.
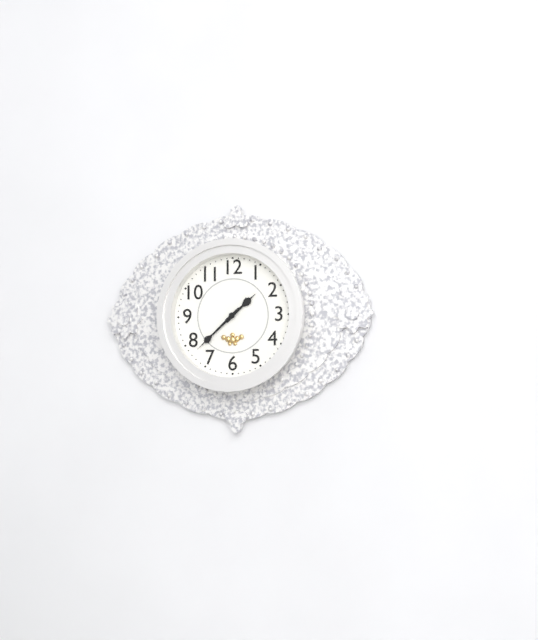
1,38
